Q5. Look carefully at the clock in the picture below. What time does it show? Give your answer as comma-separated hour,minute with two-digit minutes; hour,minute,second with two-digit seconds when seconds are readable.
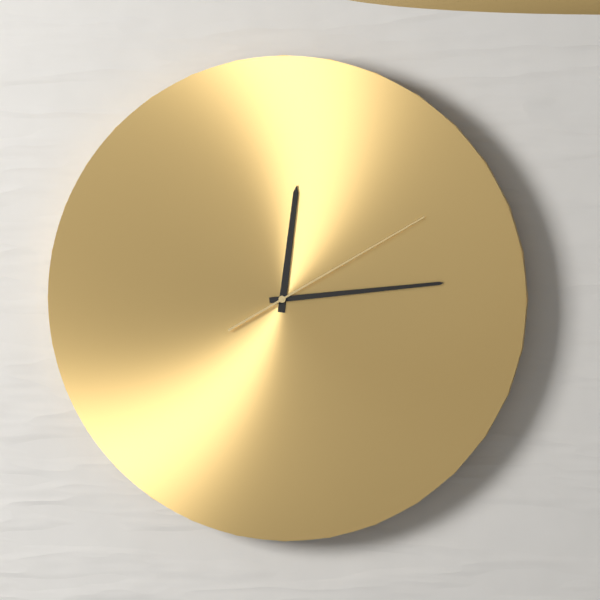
12,14,10
